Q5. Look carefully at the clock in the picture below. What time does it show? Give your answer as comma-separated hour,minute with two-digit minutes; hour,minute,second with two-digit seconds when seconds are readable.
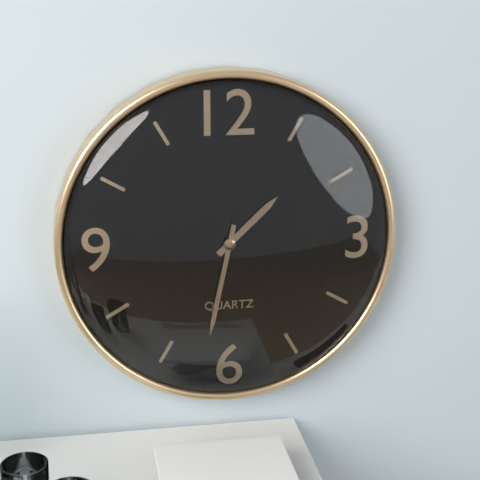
1,32
